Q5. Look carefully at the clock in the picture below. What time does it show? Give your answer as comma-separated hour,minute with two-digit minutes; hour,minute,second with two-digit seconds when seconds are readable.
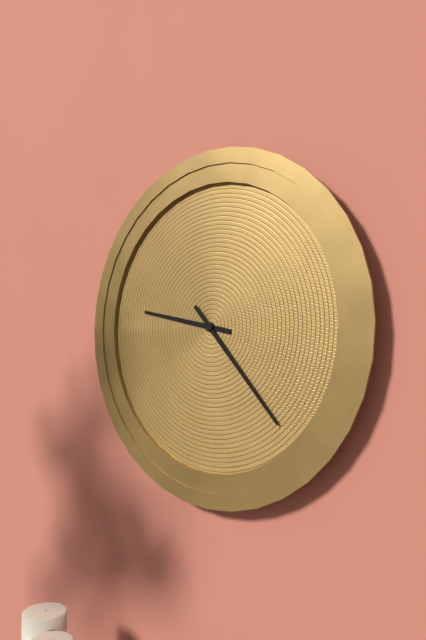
9,23
